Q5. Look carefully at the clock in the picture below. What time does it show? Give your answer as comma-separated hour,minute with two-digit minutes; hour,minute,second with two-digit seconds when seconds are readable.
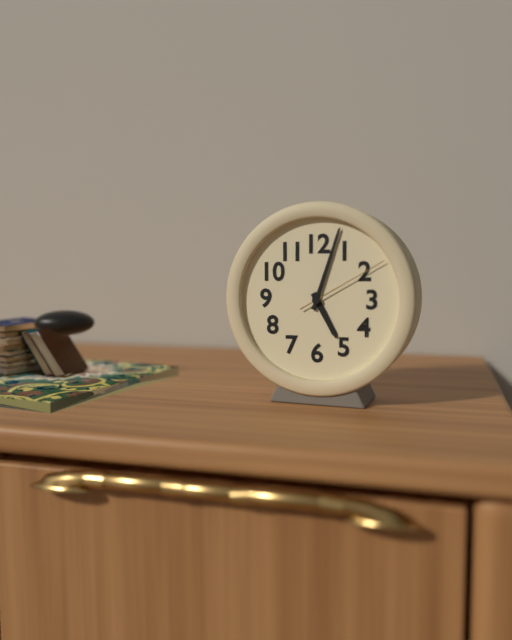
5,03,10
